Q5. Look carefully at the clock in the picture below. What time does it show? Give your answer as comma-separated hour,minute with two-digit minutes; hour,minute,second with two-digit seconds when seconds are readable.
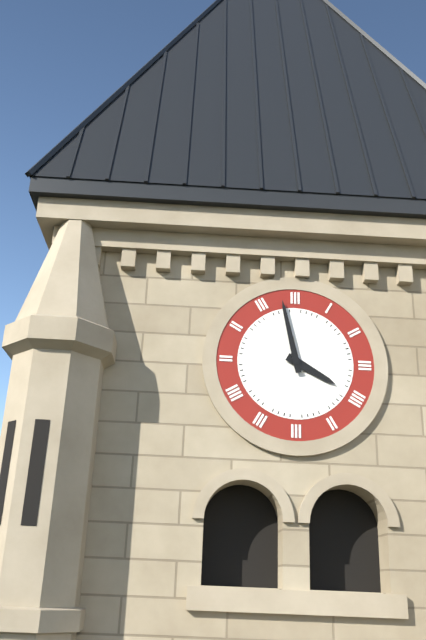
3,58
